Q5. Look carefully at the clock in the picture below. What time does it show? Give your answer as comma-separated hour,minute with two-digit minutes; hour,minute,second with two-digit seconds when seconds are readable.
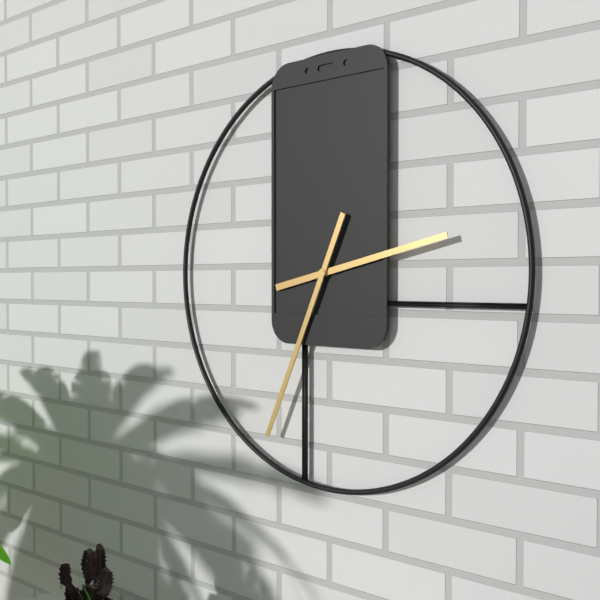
2,34
